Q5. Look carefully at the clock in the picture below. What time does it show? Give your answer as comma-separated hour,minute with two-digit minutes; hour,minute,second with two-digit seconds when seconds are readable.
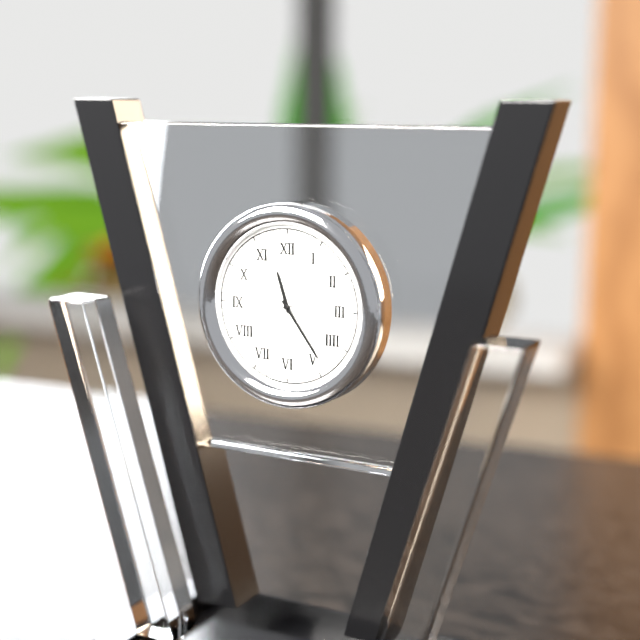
11,24,43
